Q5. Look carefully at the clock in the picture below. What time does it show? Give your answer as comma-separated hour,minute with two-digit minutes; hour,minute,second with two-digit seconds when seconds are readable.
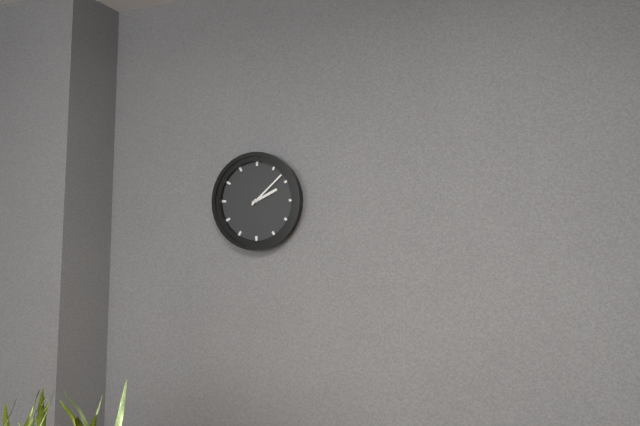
2,08
